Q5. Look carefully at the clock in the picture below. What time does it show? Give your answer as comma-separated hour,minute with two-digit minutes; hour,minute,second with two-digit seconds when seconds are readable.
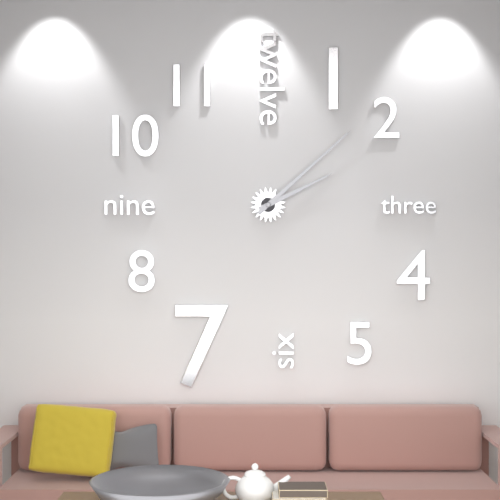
2,08
